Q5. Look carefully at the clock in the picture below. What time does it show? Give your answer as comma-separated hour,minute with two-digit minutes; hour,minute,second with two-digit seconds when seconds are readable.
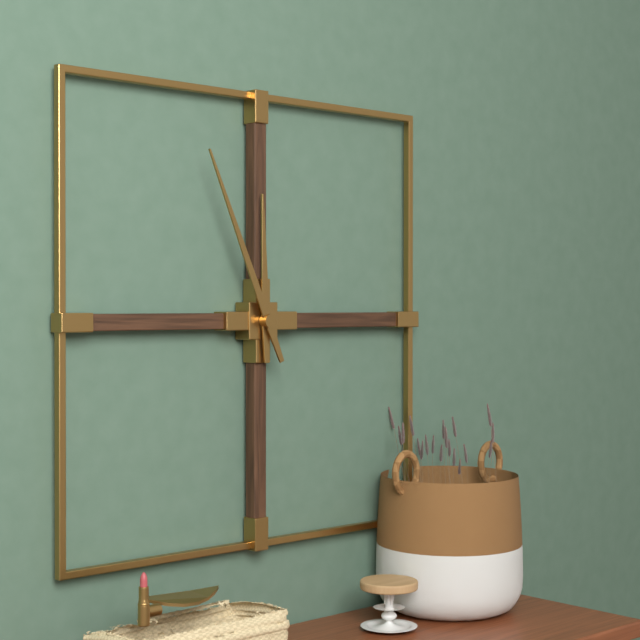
11,56
